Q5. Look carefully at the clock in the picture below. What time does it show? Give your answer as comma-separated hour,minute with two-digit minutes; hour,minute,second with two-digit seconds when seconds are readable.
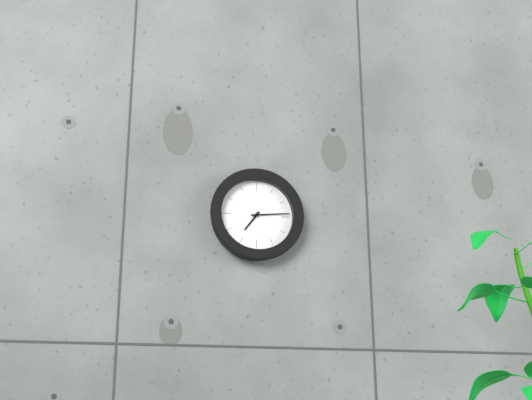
7,14
